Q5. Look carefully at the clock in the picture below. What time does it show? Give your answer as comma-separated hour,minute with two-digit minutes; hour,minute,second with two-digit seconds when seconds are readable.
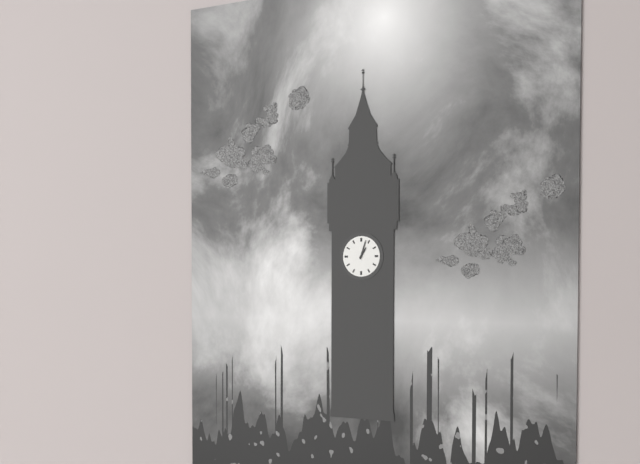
1,03
